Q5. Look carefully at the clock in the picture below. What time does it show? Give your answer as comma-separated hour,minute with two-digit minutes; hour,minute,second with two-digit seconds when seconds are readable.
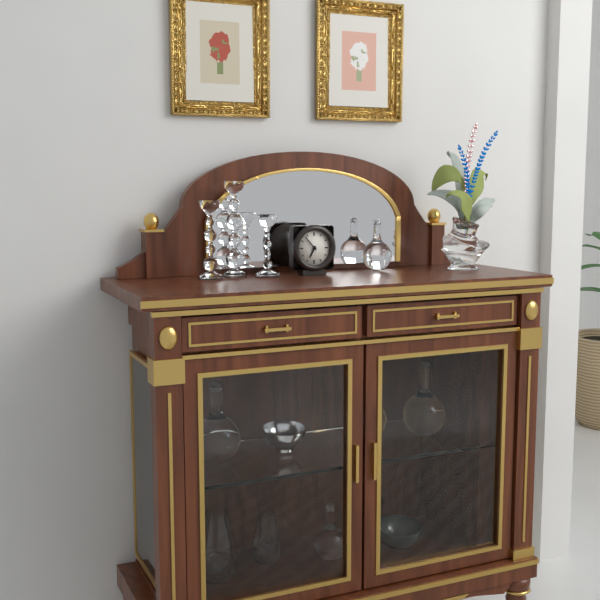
6,53
